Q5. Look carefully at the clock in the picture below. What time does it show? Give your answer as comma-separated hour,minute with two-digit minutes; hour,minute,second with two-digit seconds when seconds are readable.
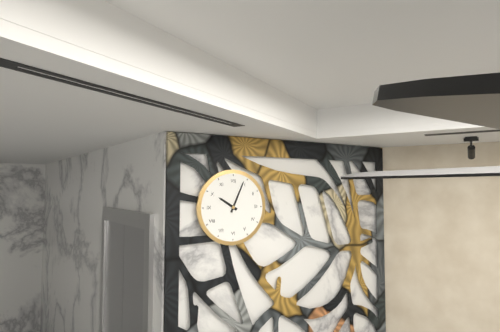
10,04
